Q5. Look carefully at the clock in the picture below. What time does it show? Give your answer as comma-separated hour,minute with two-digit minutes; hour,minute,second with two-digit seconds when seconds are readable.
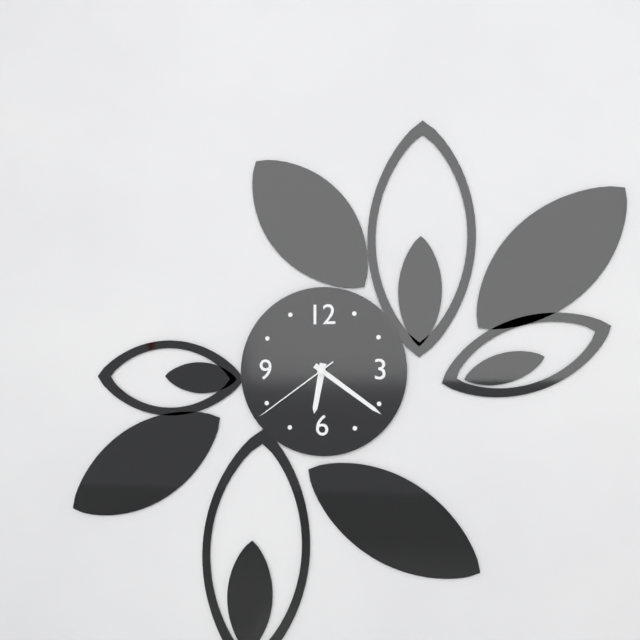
6,21,39
